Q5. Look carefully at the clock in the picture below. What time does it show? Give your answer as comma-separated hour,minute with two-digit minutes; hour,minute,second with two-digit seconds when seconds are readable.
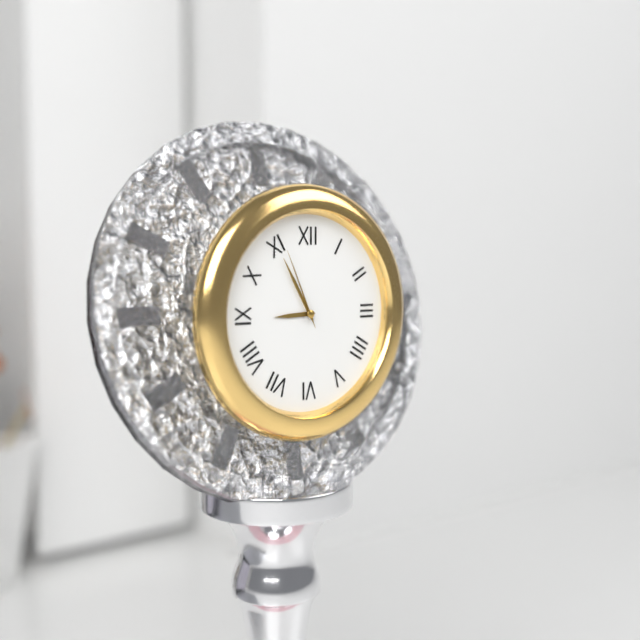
8,55,56
